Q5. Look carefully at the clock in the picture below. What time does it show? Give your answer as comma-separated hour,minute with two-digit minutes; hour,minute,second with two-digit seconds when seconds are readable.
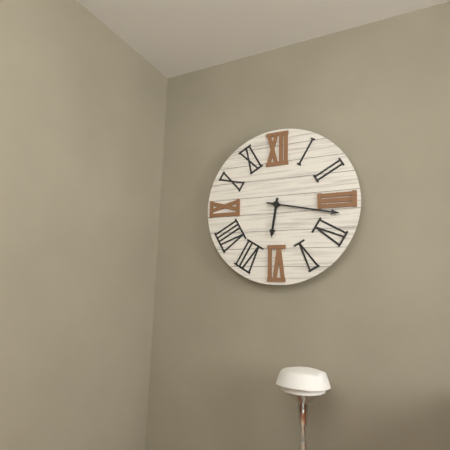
6,17
